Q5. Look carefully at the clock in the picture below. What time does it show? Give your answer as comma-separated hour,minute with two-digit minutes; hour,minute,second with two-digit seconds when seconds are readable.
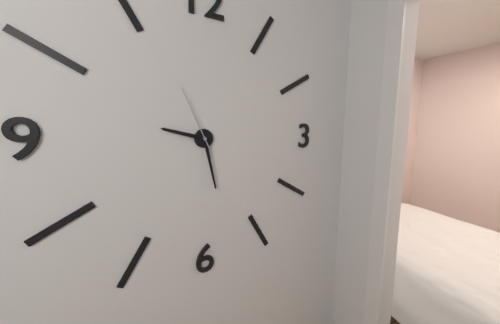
9,28,56
